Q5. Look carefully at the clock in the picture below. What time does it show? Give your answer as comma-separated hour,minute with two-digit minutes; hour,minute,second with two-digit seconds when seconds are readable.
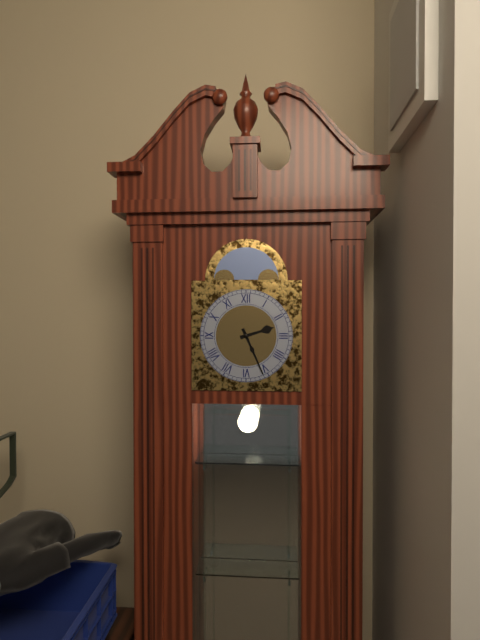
2,26
